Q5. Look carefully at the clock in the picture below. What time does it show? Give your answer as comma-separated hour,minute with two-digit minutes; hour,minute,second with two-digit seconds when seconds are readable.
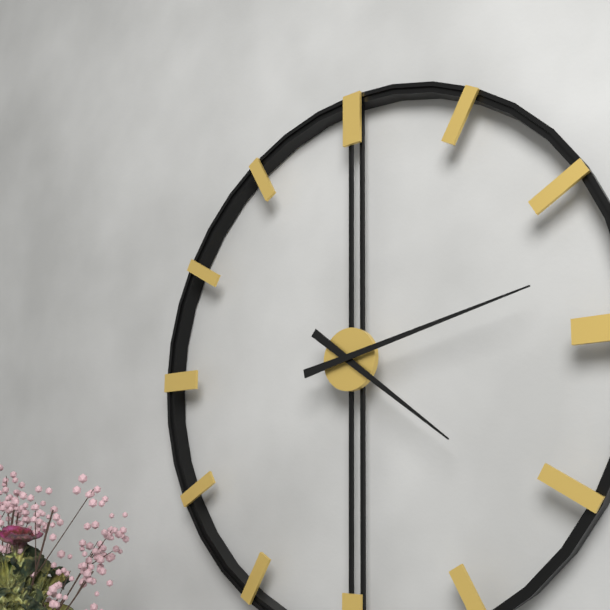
4,13
